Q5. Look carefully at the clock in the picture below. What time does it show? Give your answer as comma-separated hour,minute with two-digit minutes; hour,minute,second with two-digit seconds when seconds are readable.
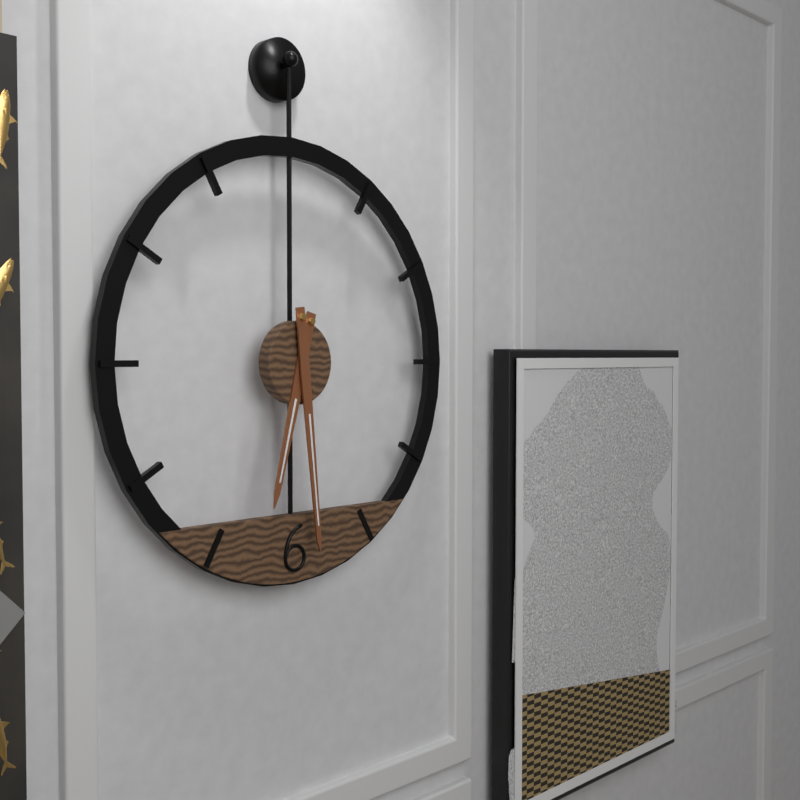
6,29
